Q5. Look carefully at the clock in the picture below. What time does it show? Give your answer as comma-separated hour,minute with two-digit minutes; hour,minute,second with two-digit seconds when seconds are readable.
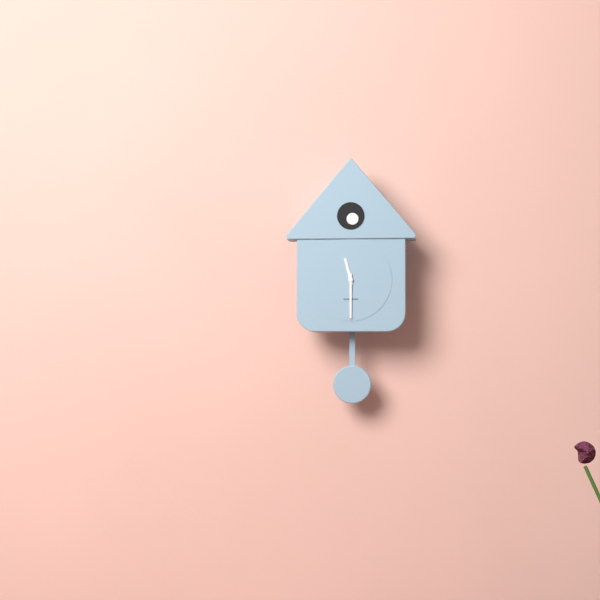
11,30
